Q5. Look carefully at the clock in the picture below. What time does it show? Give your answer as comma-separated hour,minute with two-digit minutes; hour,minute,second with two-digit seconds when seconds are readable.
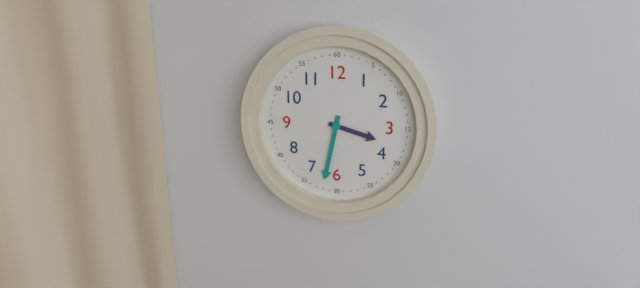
3,32
